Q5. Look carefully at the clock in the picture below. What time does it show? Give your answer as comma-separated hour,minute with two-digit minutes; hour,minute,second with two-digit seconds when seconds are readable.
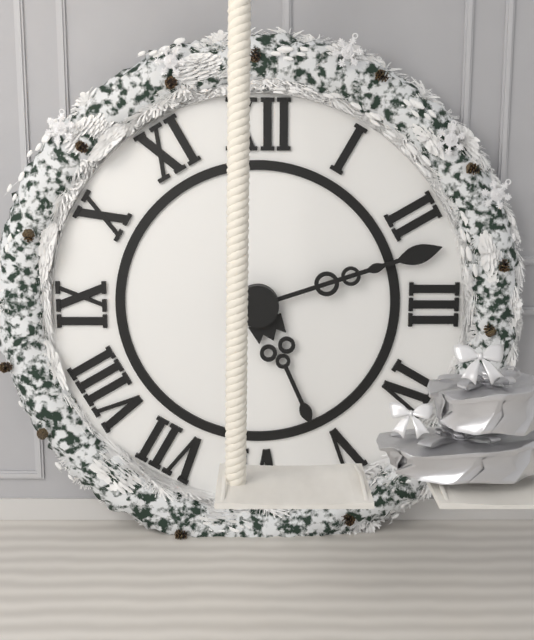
5,12
